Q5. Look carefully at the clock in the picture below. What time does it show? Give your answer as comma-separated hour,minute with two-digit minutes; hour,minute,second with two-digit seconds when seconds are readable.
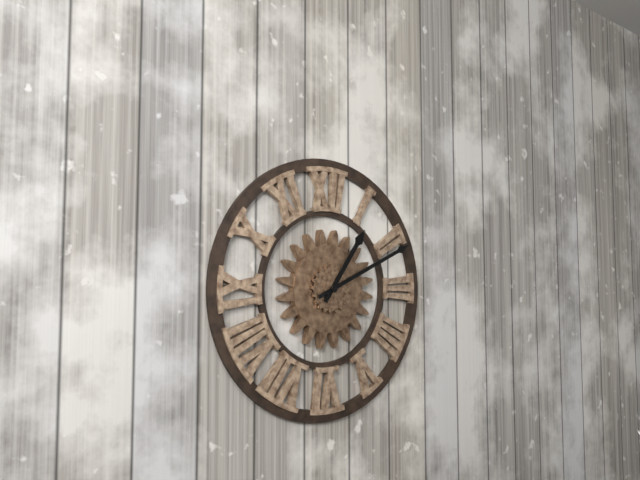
1,11
